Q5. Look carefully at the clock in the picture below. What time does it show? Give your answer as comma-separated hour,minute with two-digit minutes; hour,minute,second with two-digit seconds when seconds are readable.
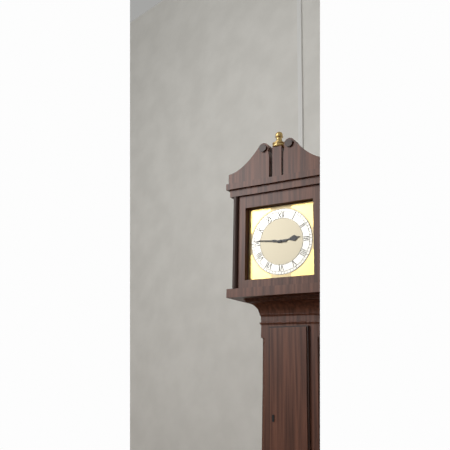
2,46
